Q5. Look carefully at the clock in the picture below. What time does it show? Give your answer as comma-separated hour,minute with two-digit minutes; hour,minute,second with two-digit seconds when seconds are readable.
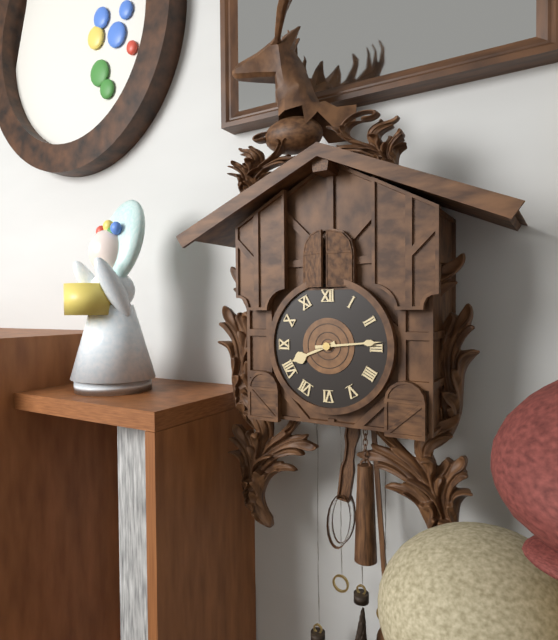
8,14
